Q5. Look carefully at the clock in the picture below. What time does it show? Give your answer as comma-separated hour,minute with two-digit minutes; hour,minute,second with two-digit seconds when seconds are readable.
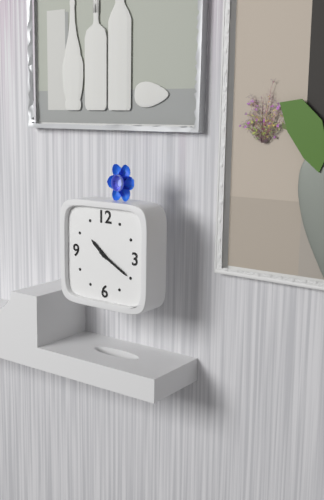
10,20
